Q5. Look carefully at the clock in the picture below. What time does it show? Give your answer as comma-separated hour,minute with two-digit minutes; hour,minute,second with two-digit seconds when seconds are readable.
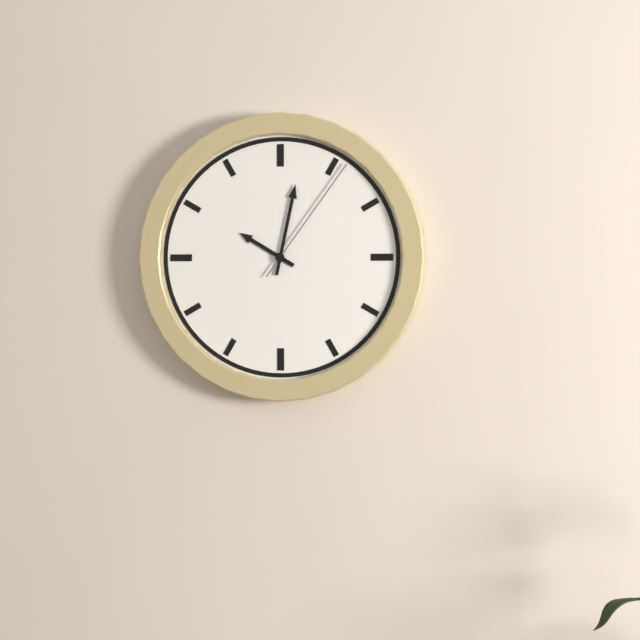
10,02,06
